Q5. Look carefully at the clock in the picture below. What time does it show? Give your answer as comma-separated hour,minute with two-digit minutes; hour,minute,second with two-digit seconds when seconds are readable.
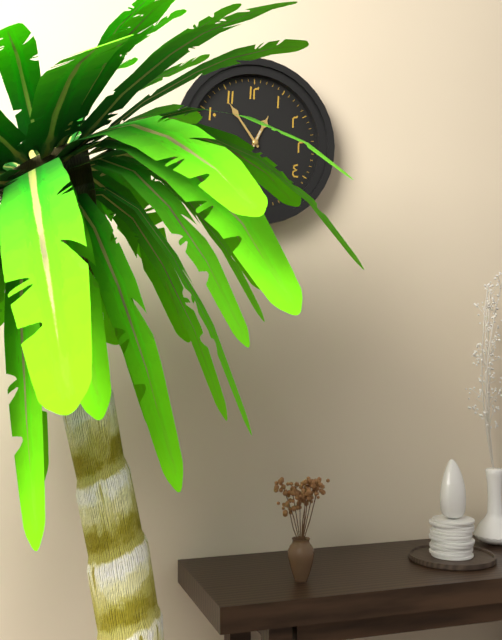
12,54
